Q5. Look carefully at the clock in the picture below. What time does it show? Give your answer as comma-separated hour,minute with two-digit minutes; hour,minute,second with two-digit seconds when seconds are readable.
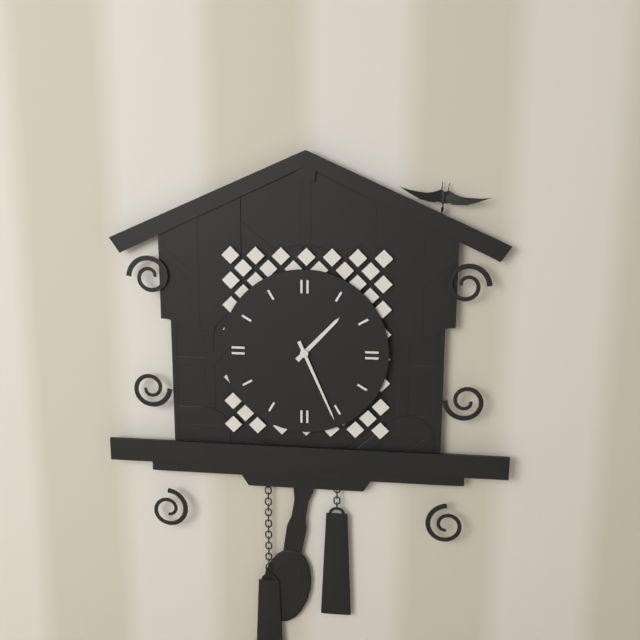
1,26
